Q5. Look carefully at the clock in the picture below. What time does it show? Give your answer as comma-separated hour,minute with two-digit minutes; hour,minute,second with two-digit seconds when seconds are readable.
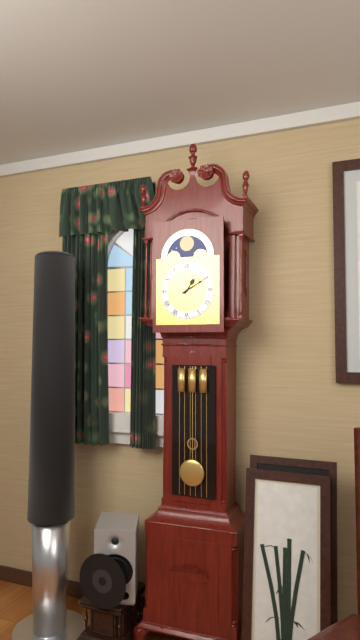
1,10
